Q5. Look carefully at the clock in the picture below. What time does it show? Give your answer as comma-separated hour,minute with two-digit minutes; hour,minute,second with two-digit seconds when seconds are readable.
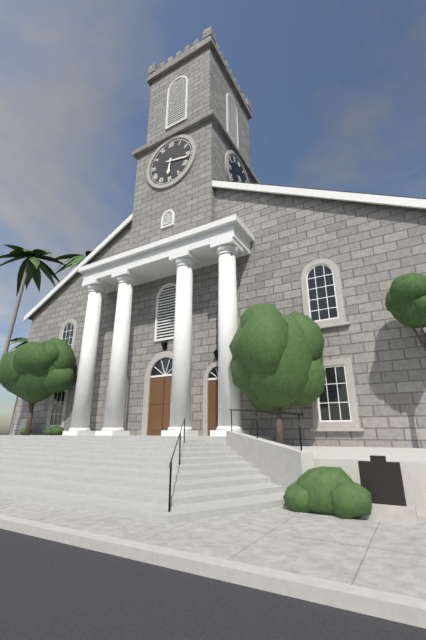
6,17
